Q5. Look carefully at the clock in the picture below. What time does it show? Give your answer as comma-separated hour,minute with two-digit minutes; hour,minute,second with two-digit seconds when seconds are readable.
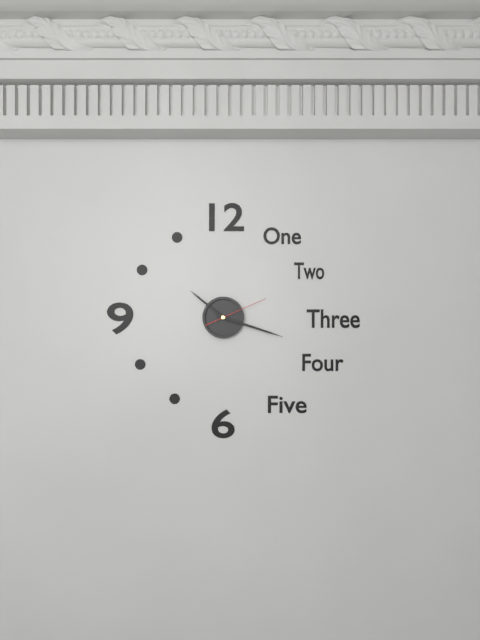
10,18,11
